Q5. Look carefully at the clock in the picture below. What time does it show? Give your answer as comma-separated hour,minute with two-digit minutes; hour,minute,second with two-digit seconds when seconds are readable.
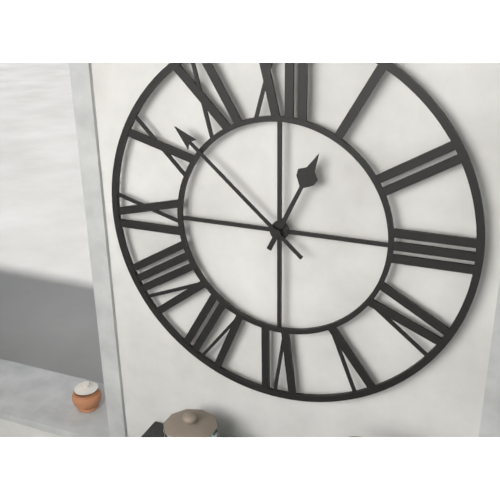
12,52
